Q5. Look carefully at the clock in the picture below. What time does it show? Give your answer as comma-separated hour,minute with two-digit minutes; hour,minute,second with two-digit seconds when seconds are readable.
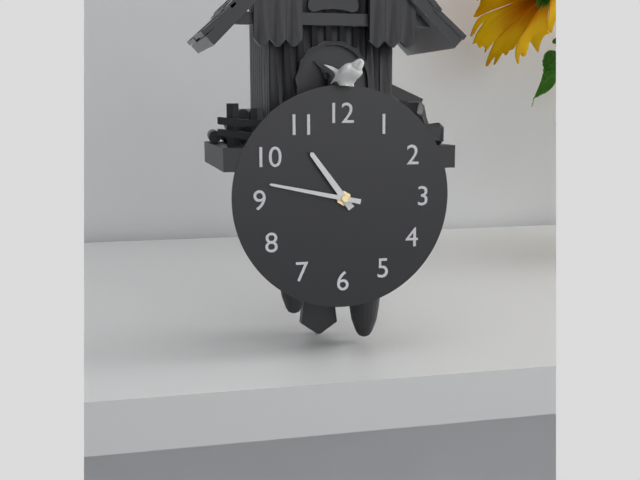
10,47
